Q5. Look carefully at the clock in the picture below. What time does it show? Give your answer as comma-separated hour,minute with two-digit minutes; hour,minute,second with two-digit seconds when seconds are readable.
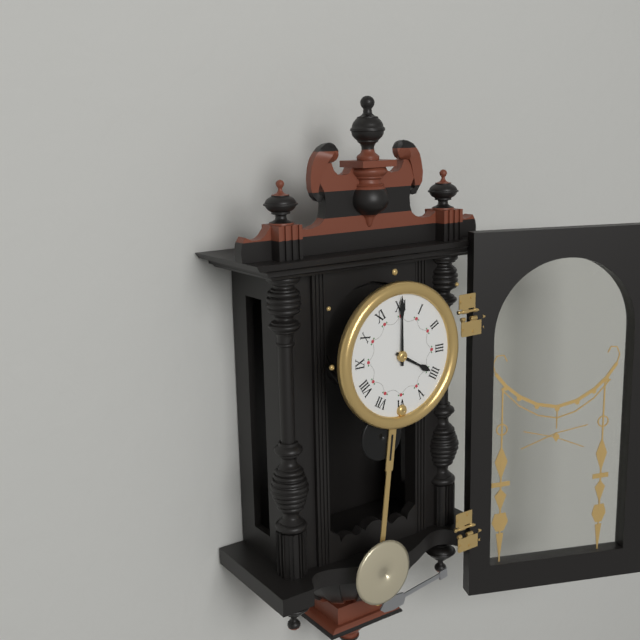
4,00
